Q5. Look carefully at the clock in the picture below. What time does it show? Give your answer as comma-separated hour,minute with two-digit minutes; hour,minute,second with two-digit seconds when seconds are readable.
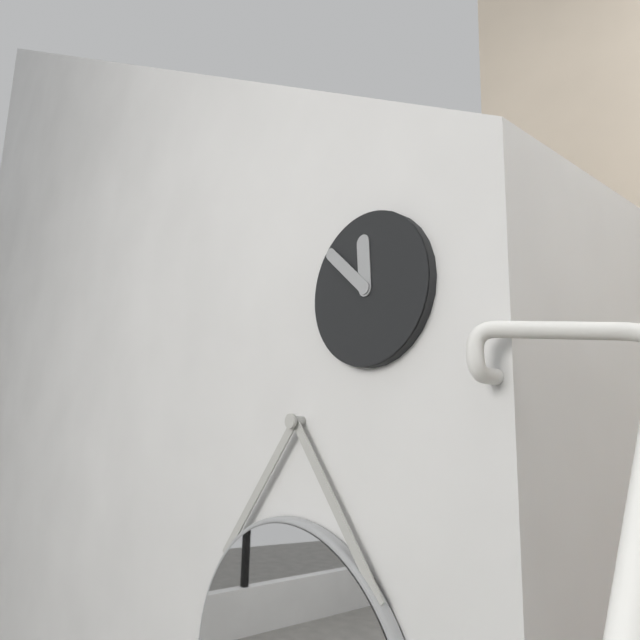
11,52
